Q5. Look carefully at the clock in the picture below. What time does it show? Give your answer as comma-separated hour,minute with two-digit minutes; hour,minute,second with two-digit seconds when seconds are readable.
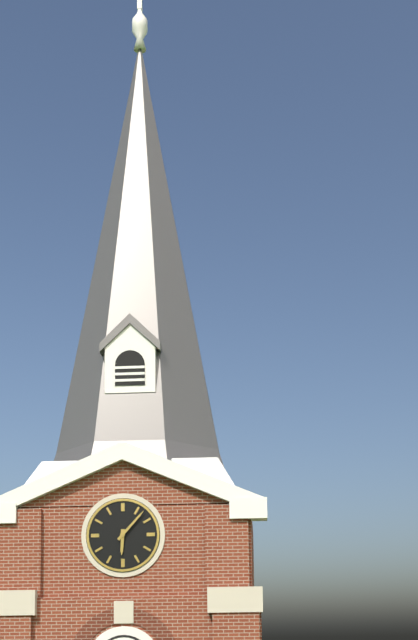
6,07
